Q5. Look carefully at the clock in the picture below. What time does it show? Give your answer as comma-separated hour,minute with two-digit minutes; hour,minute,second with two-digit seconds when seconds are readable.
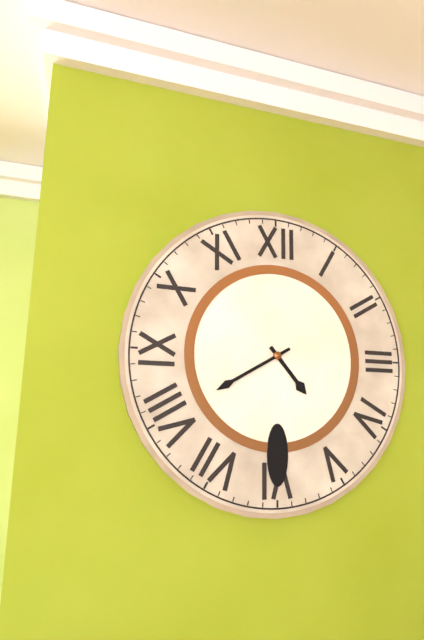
4,40
